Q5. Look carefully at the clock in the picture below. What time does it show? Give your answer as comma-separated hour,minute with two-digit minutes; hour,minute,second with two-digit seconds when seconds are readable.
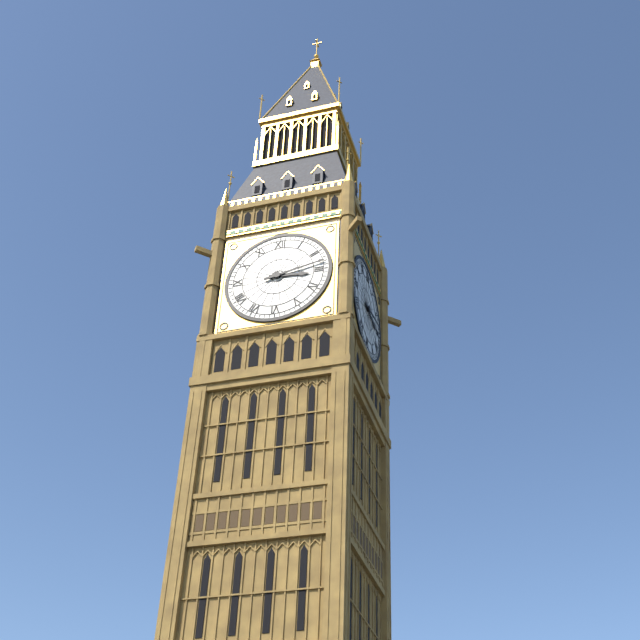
3,13
